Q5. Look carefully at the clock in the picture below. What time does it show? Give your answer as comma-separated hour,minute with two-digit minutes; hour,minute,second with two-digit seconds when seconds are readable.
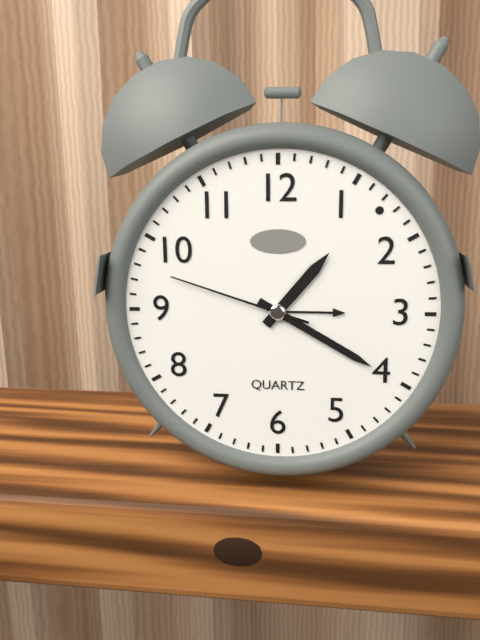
1,20,48
